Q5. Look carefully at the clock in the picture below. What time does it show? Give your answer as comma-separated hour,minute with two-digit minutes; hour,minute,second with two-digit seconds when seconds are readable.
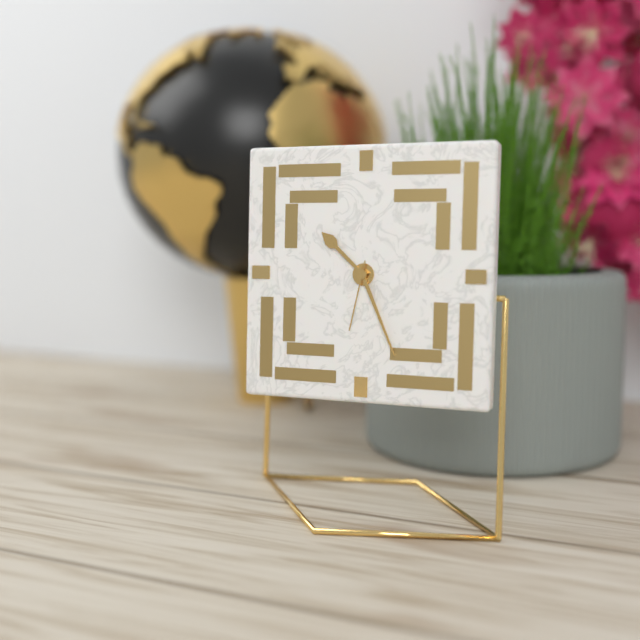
10,26,32
